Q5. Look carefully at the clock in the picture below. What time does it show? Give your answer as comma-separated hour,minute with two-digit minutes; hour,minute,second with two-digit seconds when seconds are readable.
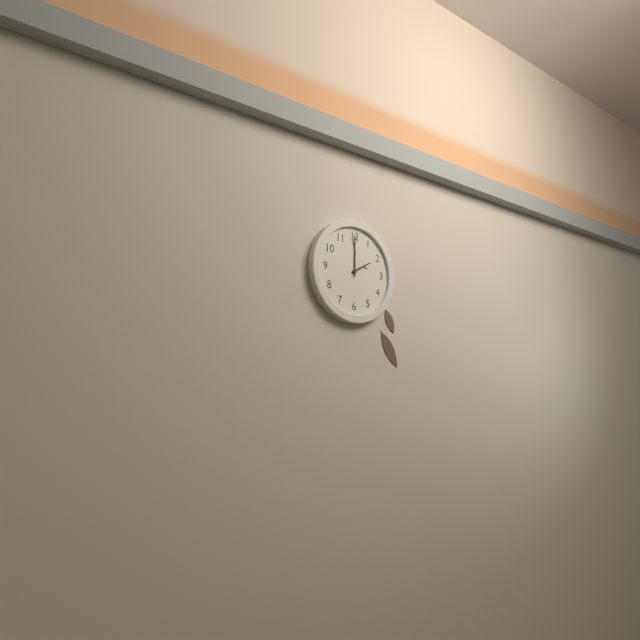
2,00
